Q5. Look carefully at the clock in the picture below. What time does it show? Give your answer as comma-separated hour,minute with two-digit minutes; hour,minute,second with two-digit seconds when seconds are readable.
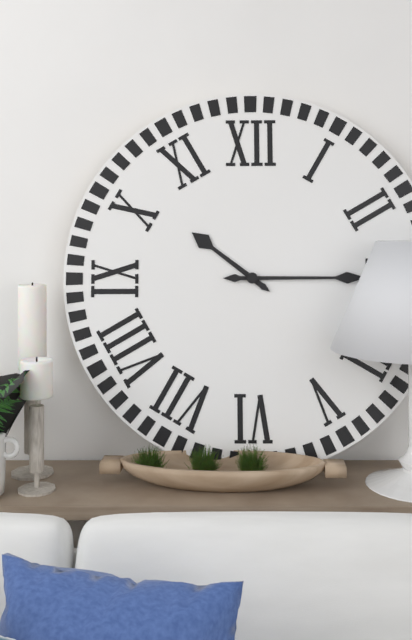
10,15
